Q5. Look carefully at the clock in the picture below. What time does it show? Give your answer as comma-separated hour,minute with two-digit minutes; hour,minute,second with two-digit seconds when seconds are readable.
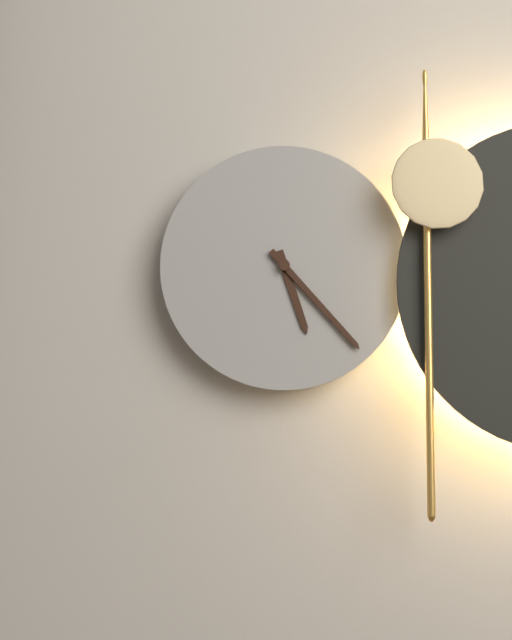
5,23
